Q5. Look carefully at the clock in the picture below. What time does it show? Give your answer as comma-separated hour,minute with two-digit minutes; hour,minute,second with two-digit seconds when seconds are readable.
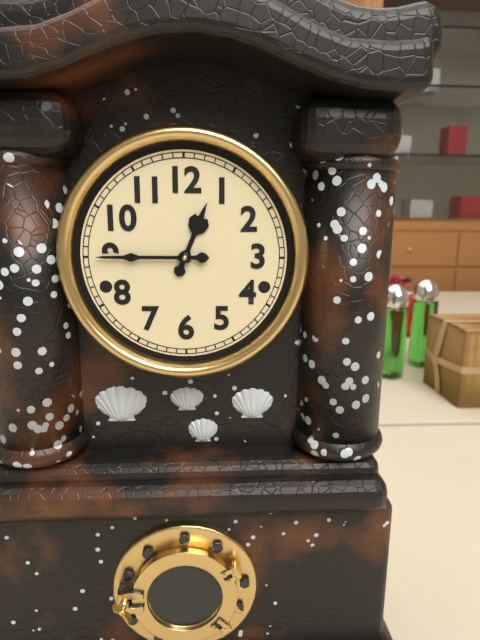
12,45
